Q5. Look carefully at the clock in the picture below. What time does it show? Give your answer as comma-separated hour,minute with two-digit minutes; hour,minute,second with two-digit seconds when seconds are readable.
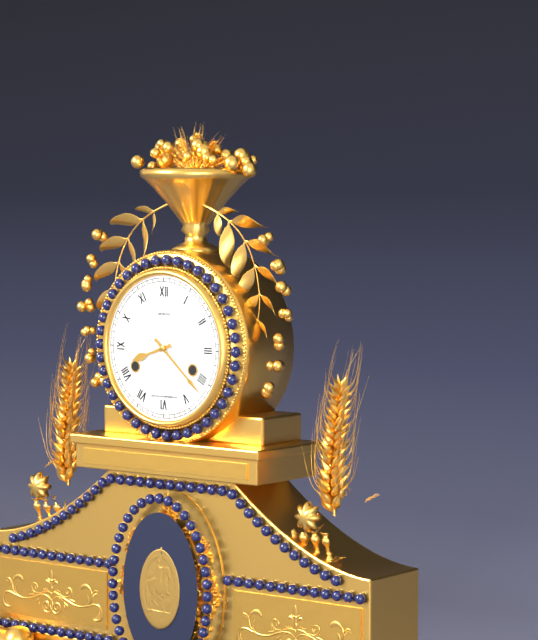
8,22
